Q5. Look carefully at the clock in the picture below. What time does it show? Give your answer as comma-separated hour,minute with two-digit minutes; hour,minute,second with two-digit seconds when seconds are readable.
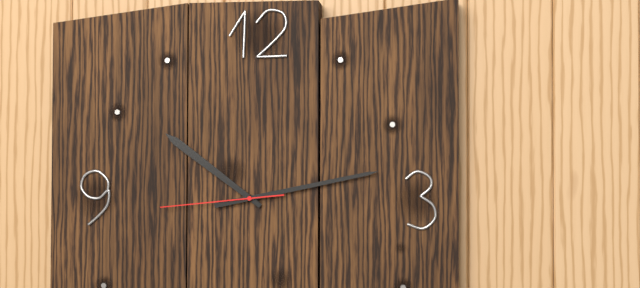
10,13,44
